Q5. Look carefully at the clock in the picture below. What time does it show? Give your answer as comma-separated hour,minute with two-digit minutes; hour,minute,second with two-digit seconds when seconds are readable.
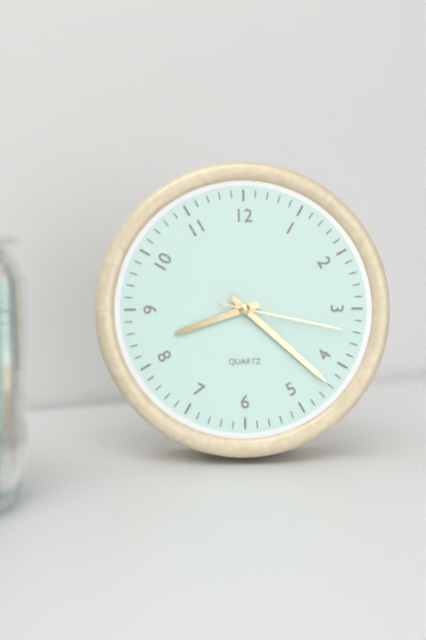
8,22,17
